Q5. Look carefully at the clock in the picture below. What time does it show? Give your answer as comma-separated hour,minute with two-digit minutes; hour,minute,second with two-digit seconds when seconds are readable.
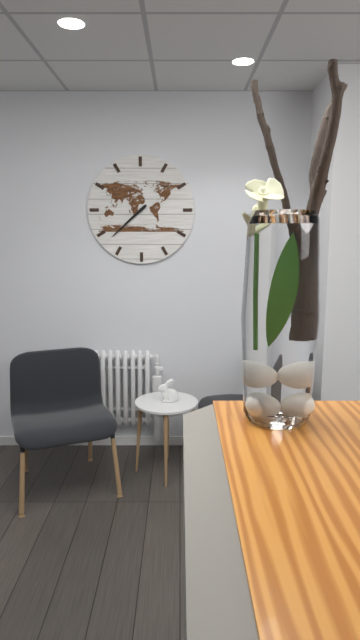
7,38
